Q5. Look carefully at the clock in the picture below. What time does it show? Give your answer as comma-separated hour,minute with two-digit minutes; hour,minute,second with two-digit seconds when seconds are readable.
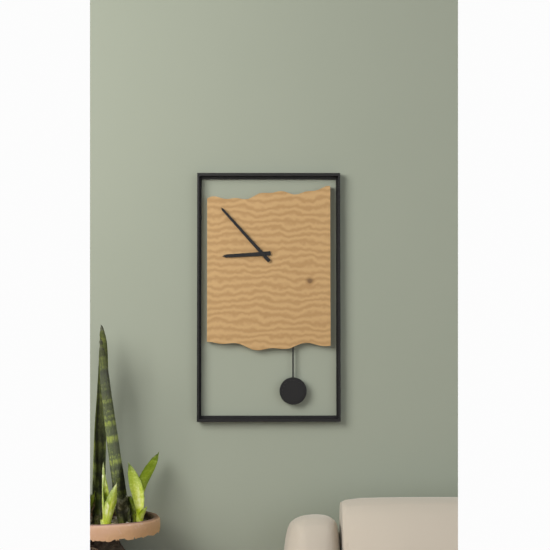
8,53
